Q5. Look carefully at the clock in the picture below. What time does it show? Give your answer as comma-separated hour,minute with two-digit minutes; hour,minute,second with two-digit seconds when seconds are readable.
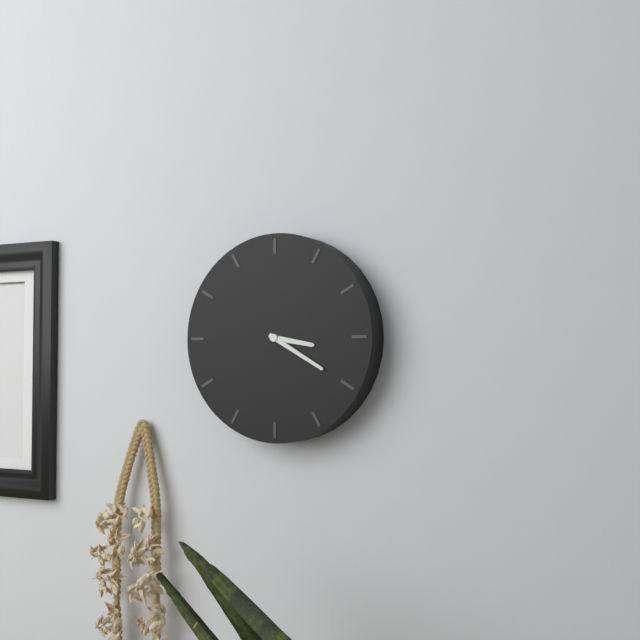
3,20
